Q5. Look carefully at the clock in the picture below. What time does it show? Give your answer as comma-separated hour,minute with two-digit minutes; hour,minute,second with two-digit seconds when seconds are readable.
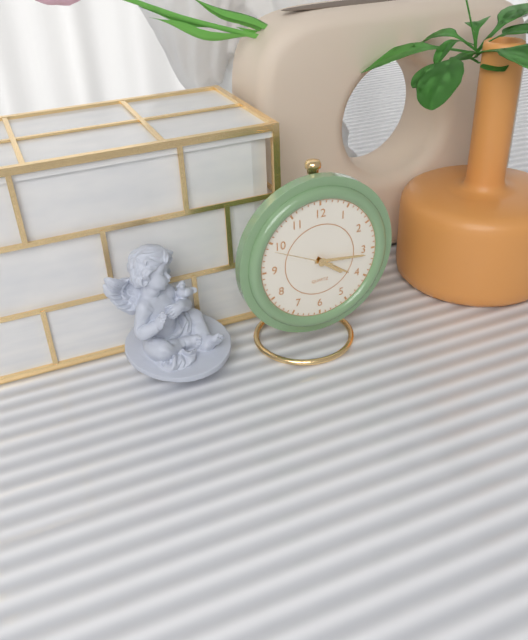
4,16,49
